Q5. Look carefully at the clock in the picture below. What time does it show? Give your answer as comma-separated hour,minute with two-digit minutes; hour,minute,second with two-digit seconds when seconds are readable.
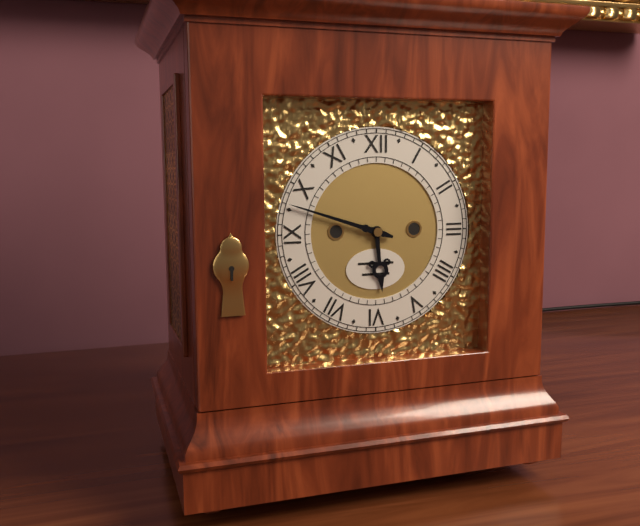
5,48
